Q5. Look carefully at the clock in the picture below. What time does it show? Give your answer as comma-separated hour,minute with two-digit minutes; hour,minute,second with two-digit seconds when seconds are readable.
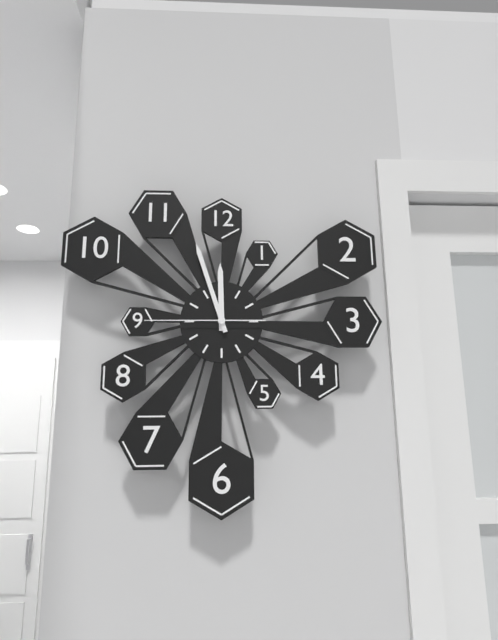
11,57,45
